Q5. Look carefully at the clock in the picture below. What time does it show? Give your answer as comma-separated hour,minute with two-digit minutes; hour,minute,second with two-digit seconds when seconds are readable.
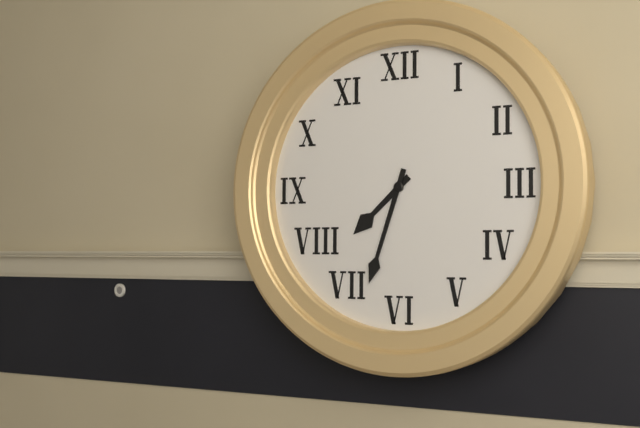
7,33
